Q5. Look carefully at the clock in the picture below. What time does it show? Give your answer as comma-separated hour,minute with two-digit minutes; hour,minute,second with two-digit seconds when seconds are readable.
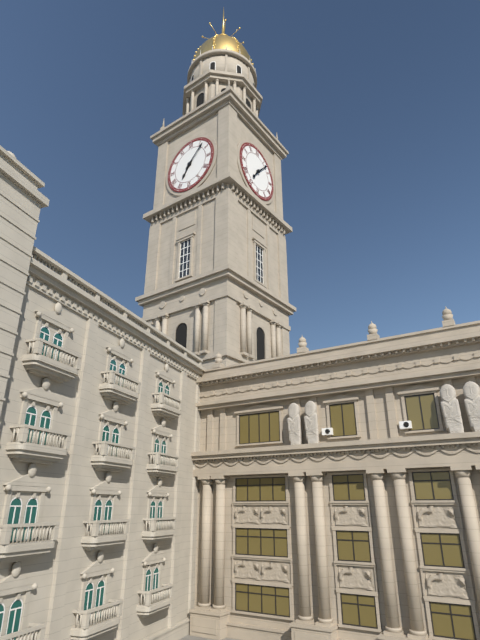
7,07
